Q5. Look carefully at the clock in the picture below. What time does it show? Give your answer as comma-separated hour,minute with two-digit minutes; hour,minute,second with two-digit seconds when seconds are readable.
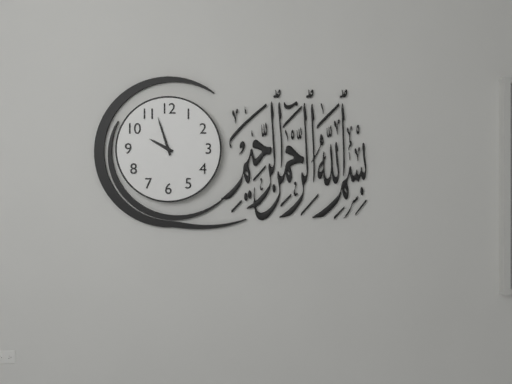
9,57
